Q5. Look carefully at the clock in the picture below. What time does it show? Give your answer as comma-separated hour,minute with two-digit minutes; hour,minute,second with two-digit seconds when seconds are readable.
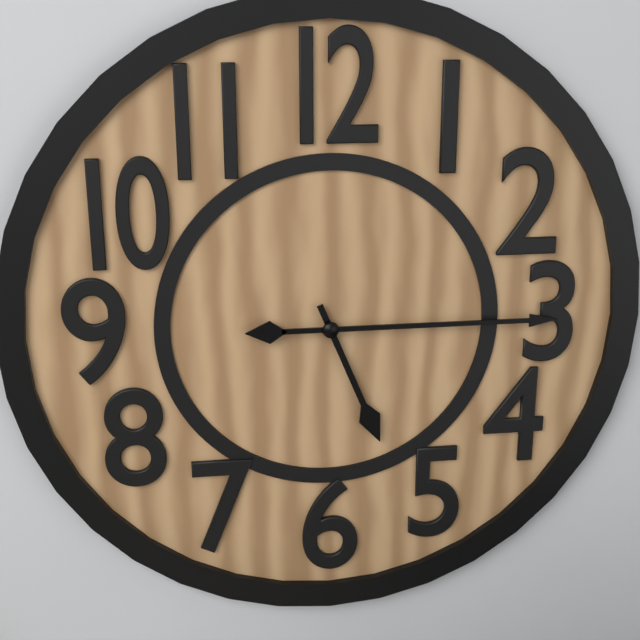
5,15
